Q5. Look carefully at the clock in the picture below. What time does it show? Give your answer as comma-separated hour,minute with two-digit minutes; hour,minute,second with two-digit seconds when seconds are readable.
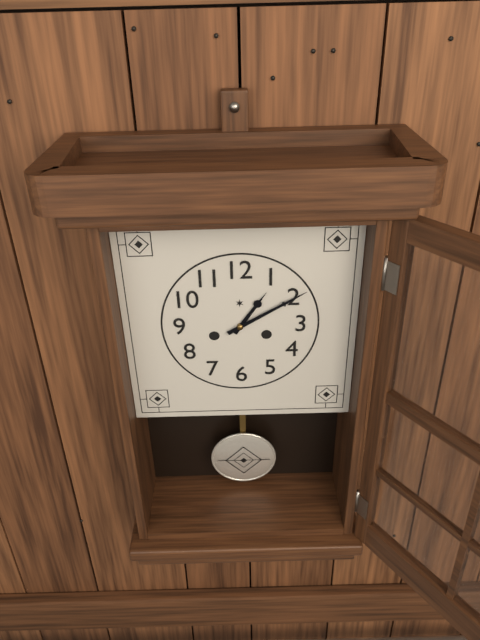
1,10
